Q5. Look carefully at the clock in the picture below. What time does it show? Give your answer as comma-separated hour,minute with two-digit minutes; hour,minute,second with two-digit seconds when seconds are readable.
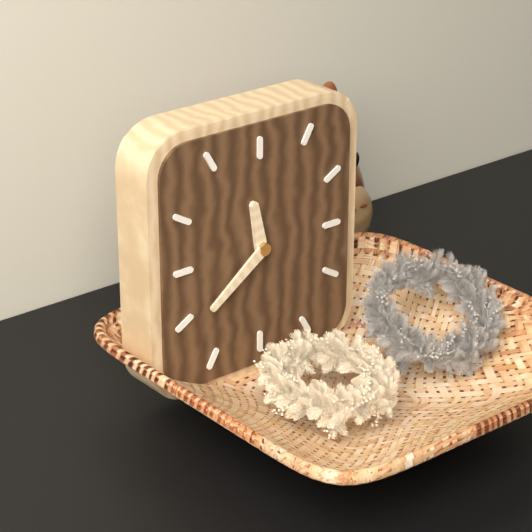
11,39
